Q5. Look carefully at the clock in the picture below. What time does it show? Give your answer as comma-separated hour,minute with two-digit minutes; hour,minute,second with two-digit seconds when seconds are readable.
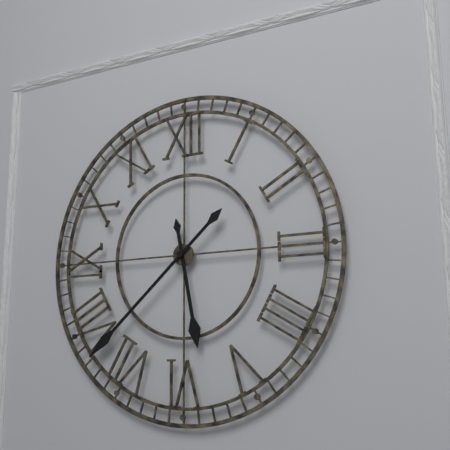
5,38
